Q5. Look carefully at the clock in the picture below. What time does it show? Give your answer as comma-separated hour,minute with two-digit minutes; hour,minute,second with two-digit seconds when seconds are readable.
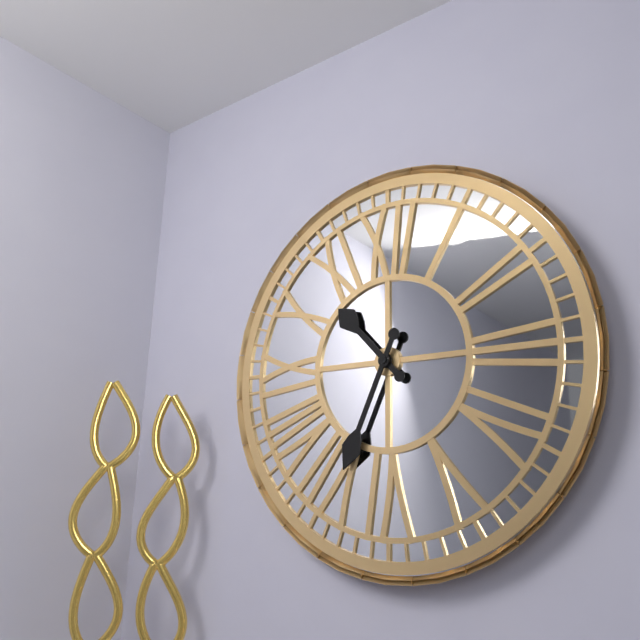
10,34
